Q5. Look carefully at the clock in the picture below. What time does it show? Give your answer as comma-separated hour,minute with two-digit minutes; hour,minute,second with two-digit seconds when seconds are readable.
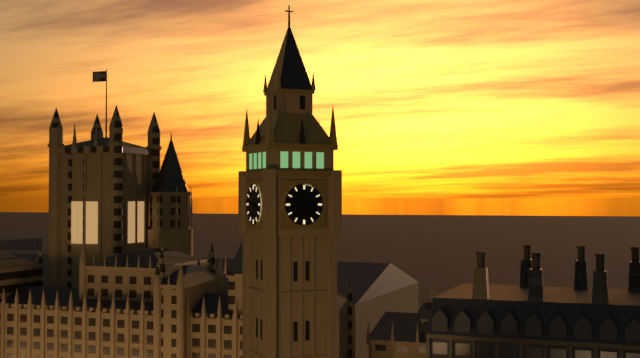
3,47
